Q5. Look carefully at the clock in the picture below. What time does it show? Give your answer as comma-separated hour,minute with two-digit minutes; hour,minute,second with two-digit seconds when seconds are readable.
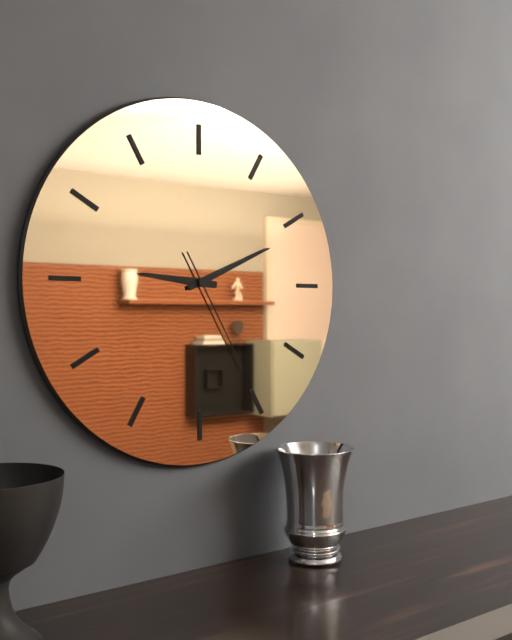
9,11,25
